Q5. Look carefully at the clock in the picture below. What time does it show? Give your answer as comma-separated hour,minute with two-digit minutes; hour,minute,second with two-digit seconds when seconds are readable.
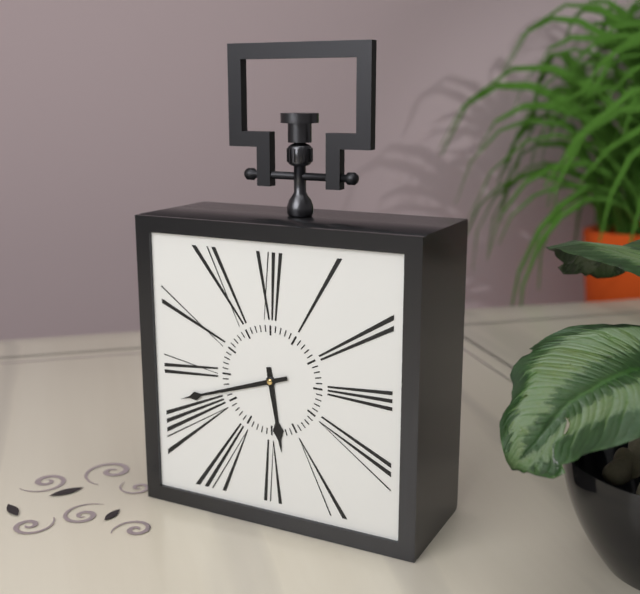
5,42
